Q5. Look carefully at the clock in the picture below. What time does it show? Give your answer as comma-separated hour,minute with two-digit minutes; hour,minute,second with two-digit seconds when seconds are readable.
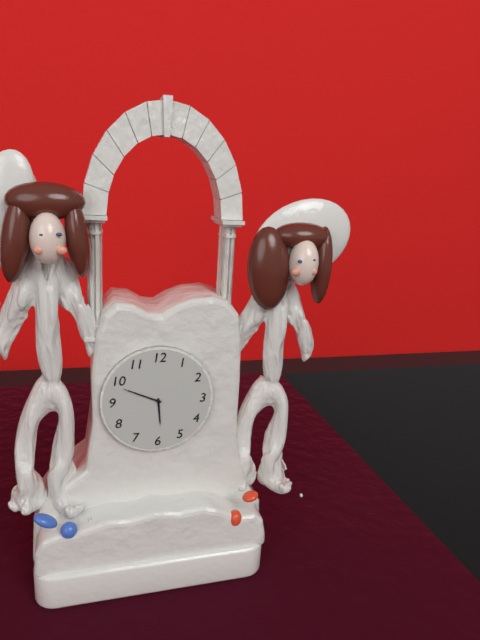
5,49
